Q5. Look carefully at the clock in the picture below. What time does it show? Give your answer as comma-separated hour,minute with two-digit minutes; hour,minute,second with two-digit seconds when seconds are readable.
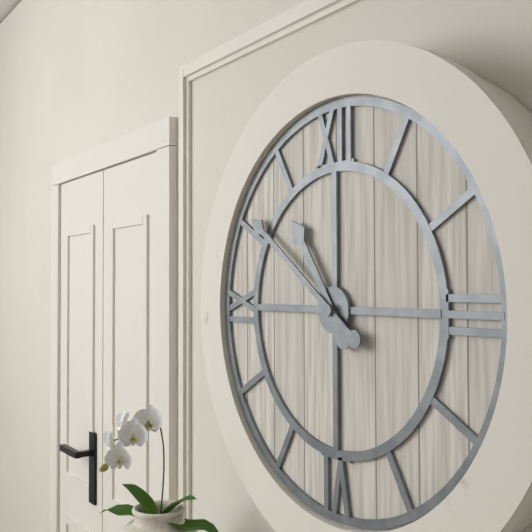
10,51
